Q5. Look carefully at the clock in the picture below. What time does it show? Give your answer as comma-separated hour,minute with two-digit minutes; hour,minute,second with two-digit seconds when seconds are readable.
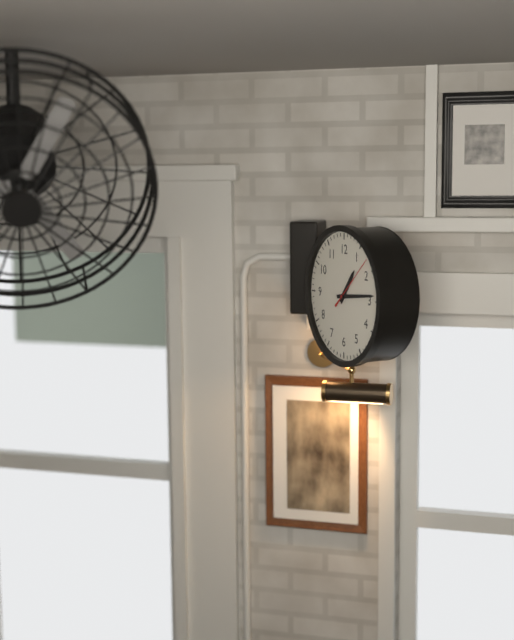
1,14,08
